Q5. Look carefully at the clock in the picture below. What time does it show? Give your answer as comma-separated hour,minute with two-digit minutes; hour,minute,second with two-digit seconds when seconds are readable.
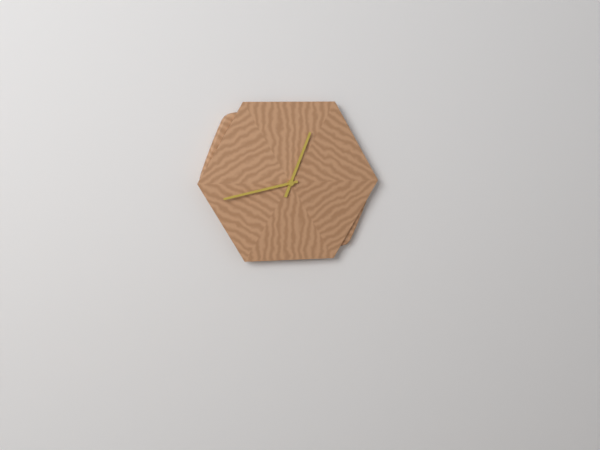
12,43
